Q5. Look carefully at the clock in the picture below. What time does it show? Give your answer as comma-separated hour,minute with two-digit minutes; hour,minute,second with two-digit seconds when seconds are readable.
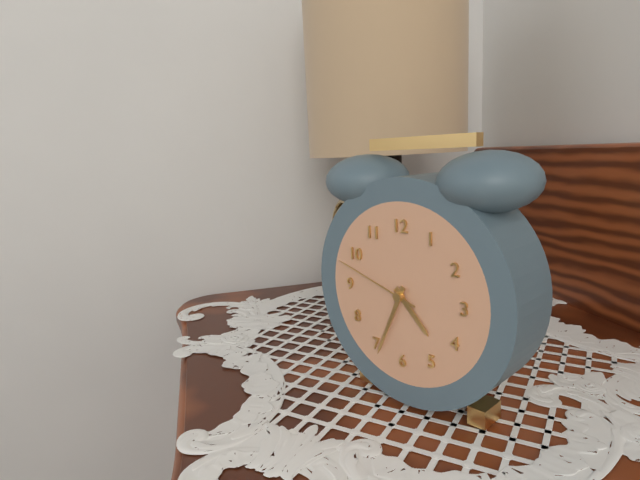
4,34,48
